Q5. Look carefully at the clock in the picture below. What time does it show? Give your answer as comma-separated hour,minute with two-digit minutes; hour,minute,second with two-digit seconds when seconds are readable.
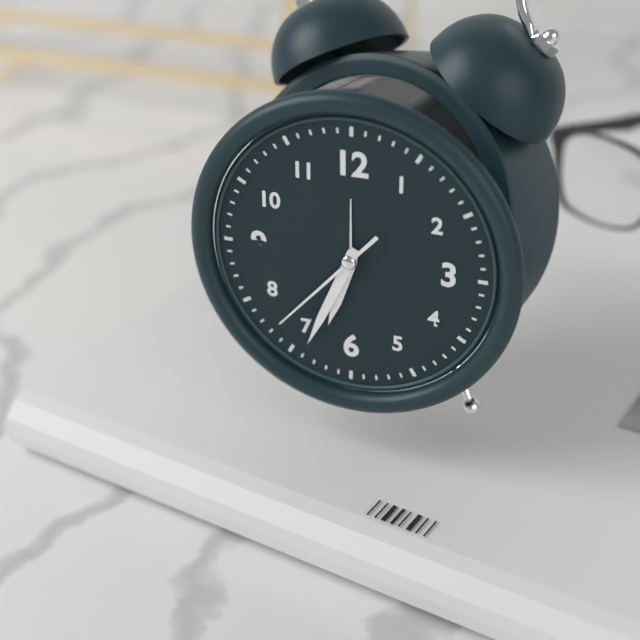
6,34,37
